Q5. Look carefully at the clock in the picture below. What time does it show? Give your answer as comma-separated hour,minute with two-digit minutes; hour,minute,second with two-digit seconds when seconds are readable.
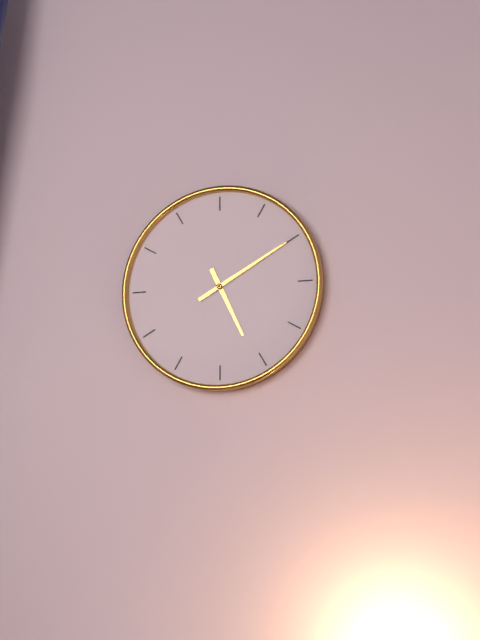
5,10
